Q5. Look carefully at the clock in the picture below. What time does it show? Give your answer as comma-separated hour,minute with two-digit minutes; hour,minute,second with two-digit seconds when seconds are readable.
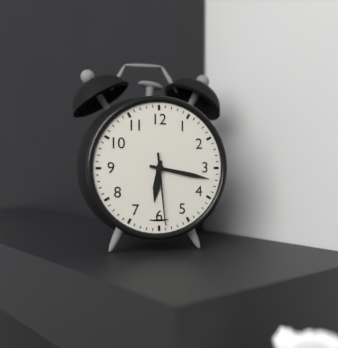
6,17,29
